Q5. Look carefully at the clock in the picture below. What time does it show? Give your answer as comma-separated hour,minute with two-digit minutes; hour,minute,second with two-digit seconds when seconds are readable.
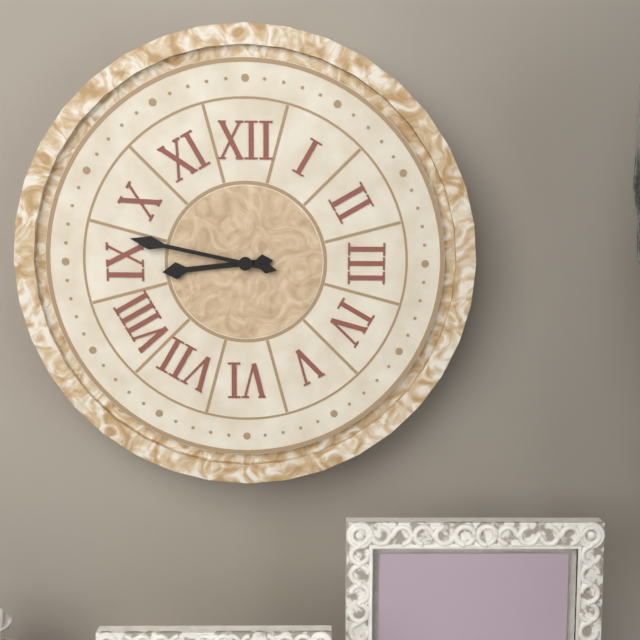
8,47
